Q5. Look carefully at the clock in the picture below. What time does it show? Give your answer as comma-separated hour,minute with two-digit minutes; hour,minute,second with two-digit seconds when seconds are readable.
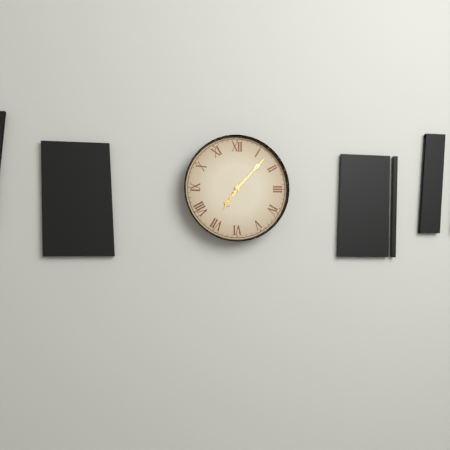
7,07
